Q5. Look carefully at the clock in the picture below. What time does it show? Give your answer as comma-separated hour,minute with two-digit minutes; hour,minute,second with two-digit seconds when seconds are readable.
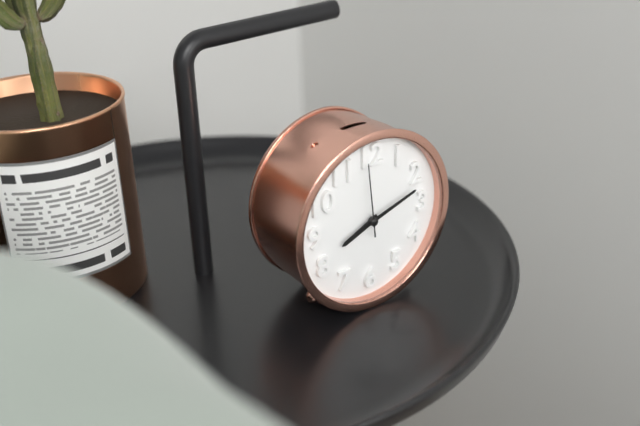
8,12,59
